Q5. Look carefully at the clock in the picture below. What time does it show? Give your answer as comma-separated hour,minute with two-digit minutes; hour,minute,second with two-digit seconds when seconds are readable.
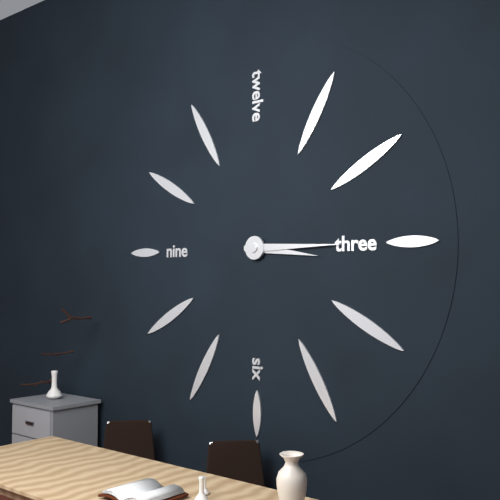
3,15
